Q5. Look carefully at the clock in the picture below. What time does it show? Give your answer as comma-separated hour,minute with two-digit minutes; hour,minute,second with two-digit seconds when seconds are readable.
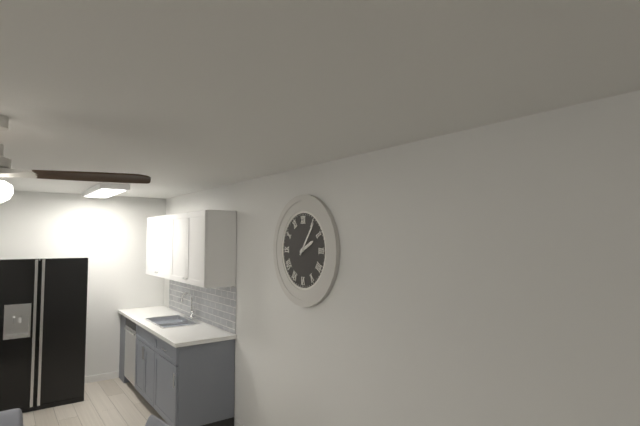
2,06
